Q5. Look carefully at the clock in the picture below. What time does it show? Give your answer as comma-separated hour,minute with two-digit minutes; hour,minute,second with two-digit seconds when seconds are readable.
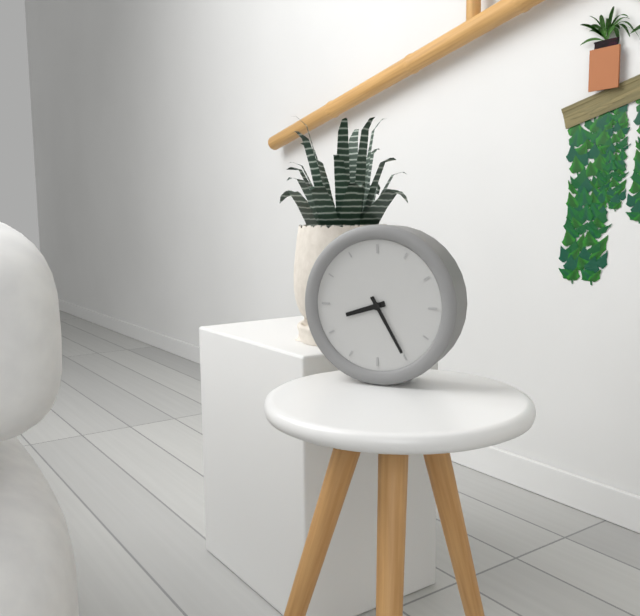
8,25
